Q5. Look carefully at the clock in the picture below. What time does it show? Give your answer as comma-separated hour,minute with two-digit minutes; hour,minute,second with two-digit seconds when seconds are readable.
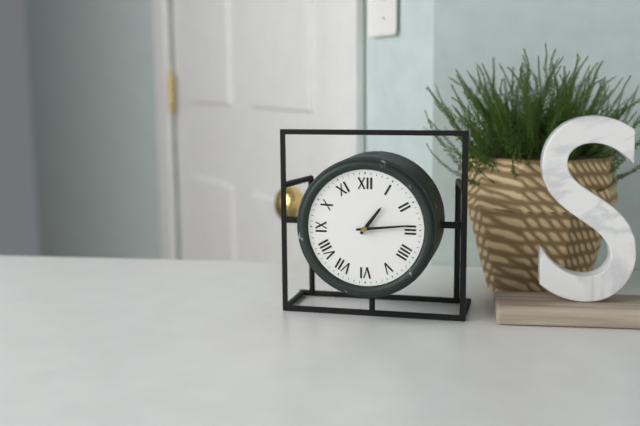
1,14
